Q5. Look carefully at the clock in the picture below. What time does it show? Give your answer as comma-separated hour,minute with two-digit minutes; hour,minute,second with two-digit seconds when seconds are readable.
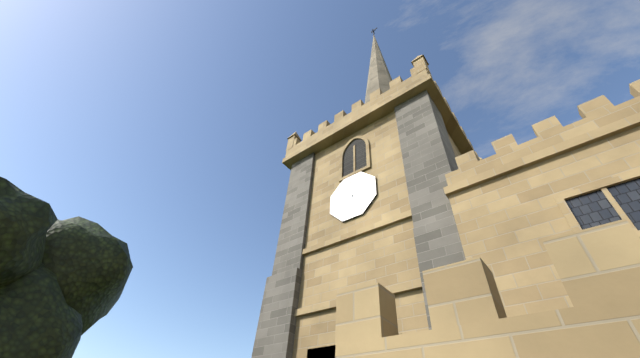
7,59
